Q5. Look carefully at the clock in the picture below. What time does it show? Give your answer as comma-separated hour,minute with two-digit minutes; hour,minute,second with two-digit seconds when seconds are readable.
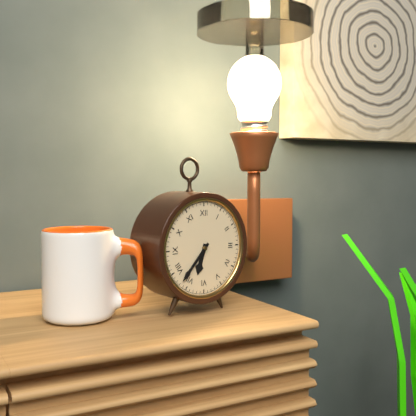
6,37
